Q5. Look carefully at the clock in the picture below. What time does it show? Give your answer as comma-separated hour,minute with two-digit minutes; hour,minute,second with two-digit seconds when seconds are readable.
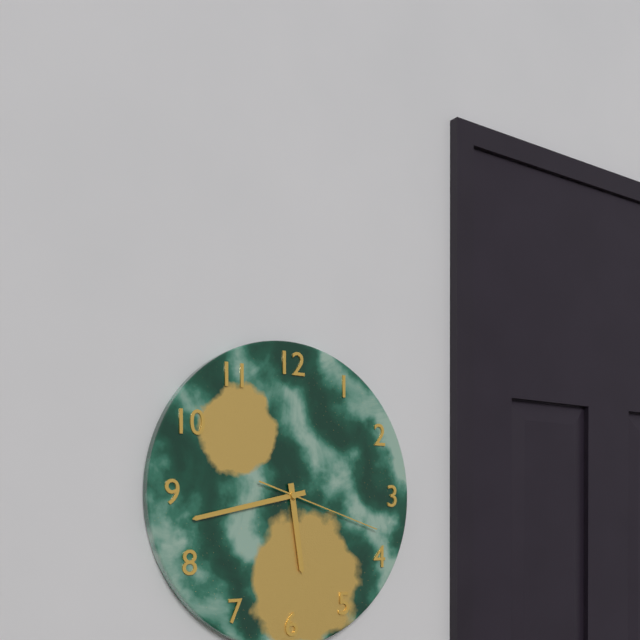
5,43,18
